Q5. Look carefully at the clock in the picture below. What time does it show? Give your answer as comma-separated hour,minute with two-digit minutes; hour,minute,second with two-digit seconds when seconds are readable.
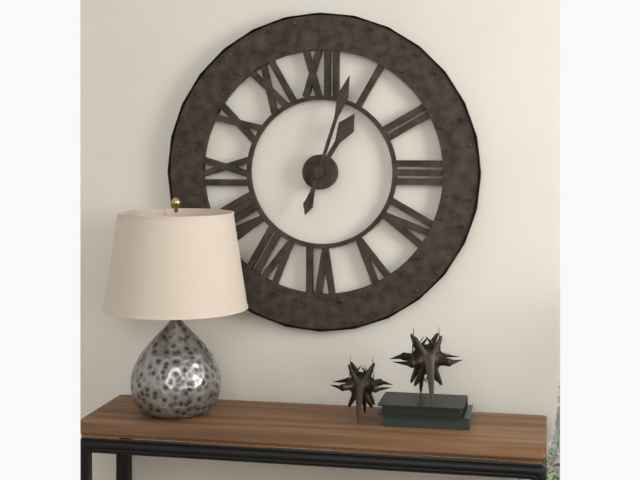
1,03
